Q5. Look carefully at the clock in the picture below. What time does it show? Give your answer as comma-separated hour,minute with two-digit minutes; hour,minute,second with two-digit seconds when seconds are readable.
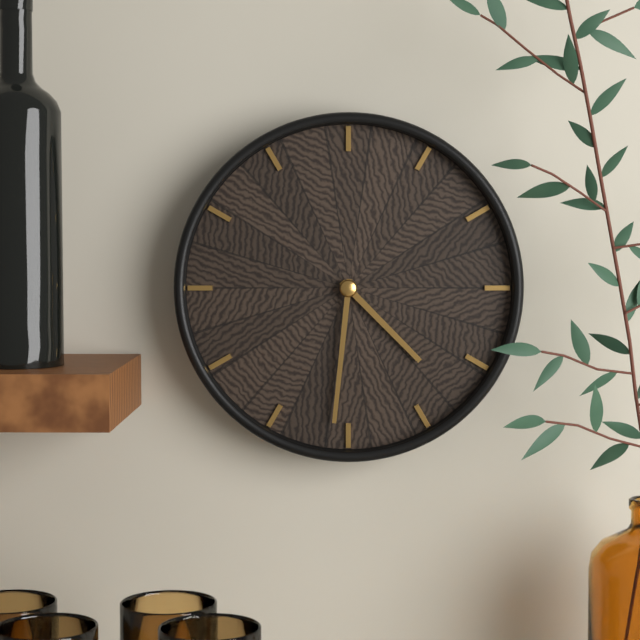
4,31
